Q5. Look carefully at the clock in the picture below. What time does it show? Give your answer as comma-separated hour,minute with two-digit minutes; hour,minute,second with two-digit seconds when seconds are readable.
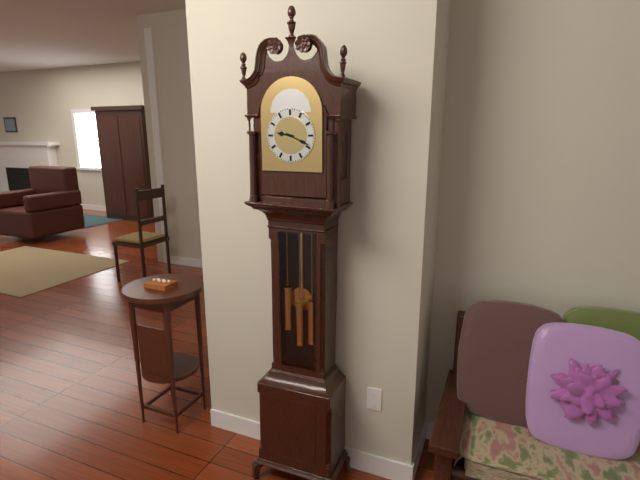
9,19
